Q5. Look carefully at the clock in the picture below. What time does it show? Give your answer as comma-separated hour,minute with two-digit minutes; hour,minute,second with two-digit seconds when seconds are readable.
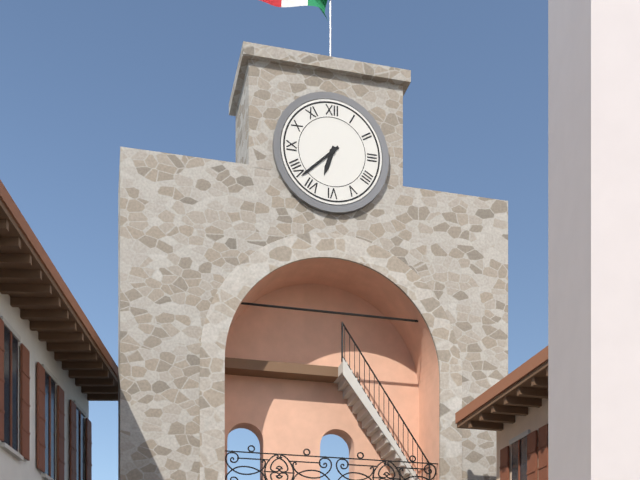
6,38
